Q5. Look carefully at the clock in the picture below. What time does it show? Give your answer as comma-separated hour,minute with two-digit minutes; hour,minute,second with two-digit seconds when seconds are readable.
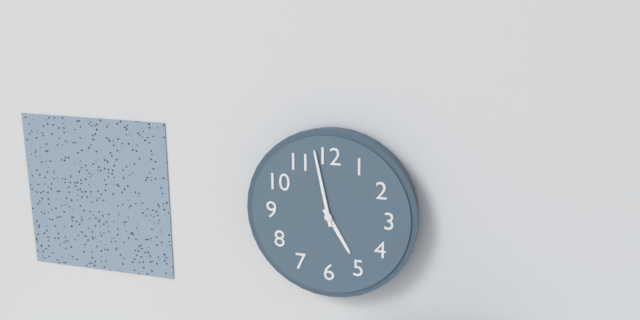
4,58
